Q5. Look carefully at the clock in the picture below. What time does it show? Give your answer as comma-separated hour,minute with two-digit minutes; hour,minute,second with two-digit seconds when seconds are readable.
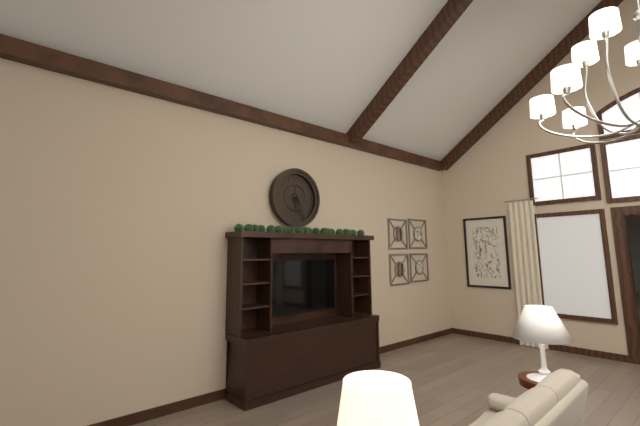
5,26
